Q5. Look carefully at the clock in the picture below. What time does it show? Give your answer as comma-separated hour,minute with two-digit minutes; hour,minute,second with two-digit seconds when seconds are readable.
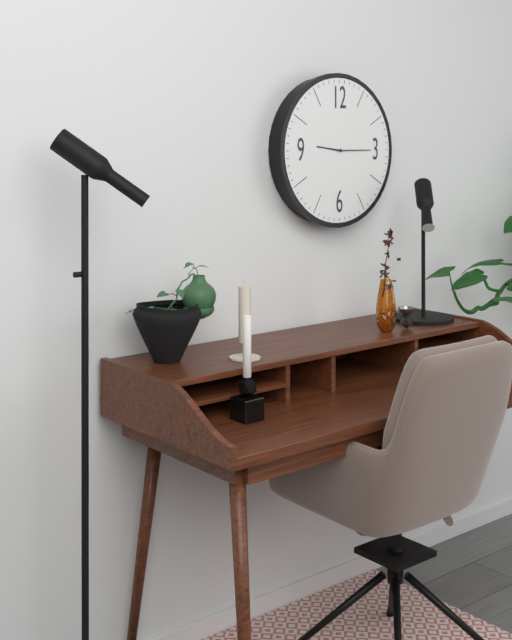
9,15
